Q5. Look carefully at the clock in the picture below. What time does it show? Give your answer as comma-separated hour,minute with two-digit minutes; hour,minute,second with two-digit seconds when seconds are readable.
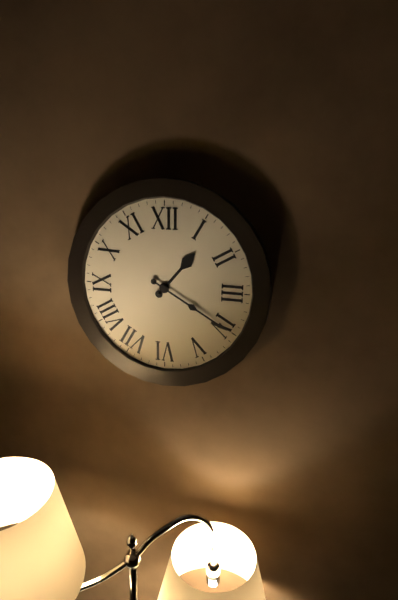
1,20
